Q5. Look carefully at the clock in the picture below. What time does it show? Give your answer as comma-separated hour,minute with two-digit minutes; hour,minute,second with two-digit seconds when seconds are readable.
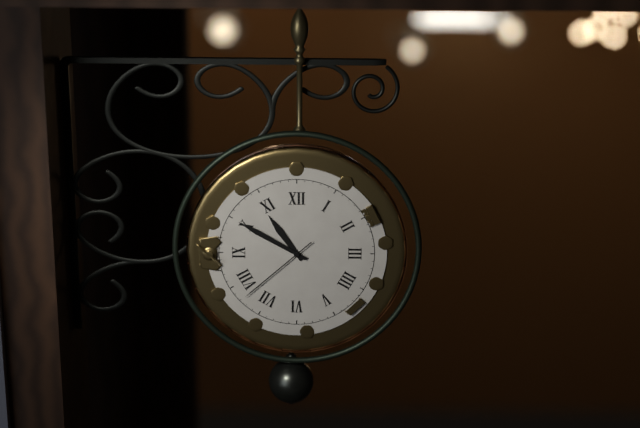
10,50,38
